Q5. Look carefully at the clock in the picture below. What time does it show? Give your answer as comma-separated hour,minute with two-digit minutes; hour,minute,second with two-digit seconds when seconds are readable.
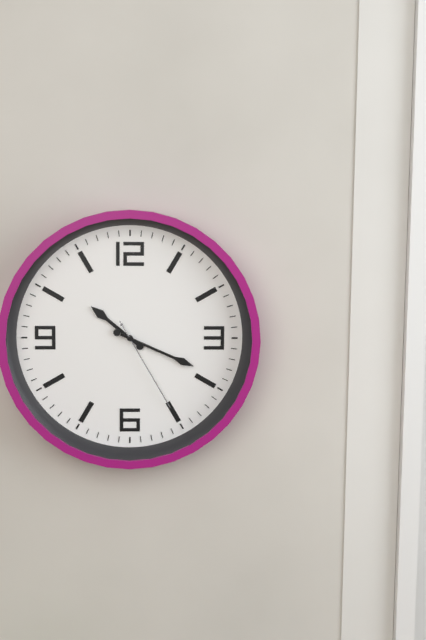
10,19,25
